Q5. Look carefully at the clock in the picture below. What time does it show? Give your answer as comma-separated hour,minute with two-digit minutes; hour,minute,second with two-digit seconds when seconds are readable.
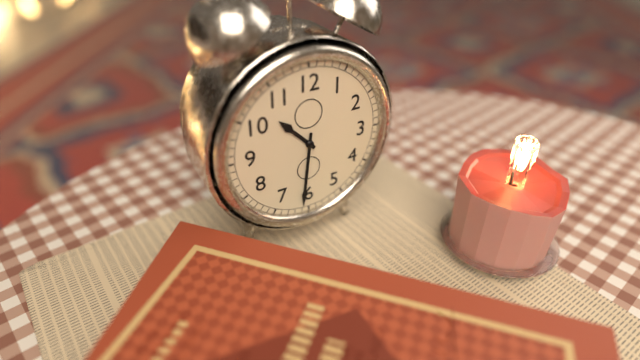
10,31
